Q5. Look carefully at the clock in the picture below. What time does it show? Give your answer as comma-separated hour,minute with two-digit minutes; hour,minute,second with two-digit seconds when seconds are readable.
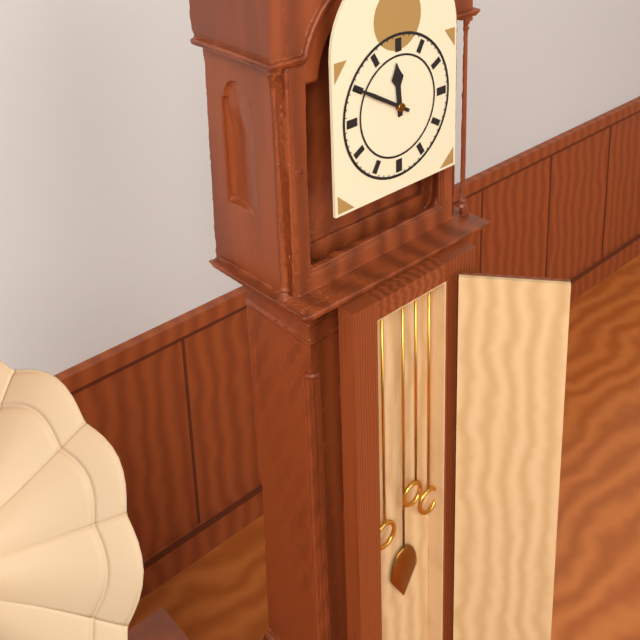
11,50
